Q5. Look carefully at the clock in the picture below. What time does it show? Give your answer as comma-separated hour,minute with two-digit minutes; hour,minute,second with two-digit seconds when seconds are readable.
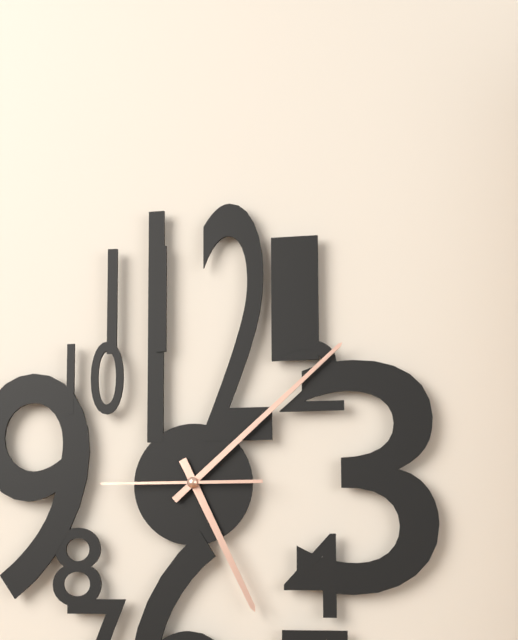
5,08,45
